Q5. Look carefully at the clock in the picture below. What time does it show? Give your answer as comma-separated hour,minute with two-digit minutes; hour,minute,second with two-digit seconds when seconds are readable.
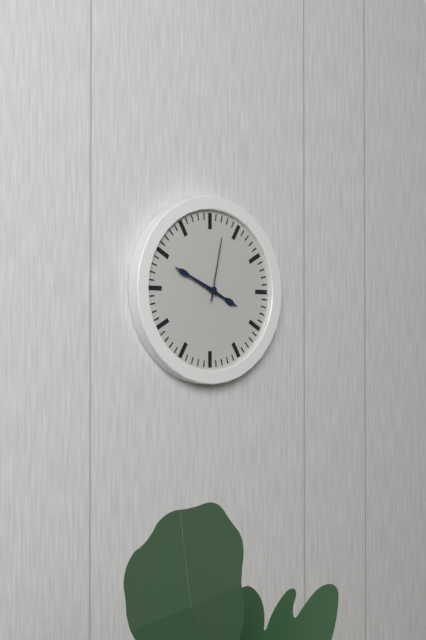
3,49,02
